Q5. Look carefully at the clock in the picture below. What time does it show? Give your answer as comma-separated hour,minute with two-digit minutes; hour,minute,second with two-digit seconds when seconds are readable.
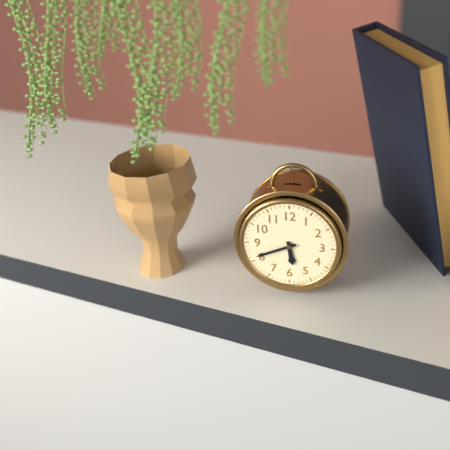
5,41
